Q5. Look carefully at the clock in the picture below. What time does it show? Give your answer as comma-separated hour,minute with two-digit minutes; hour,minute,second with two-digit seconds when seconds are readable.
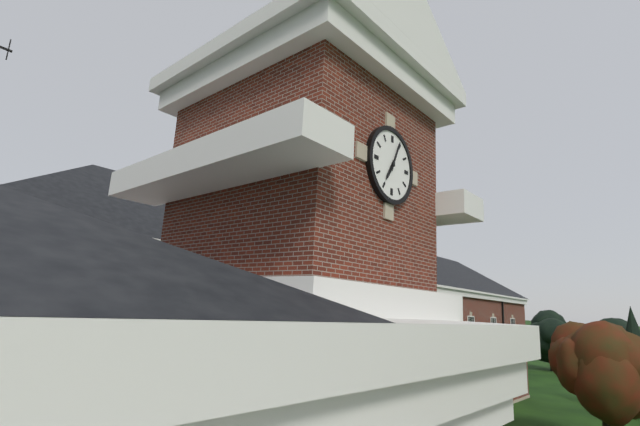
7,04
